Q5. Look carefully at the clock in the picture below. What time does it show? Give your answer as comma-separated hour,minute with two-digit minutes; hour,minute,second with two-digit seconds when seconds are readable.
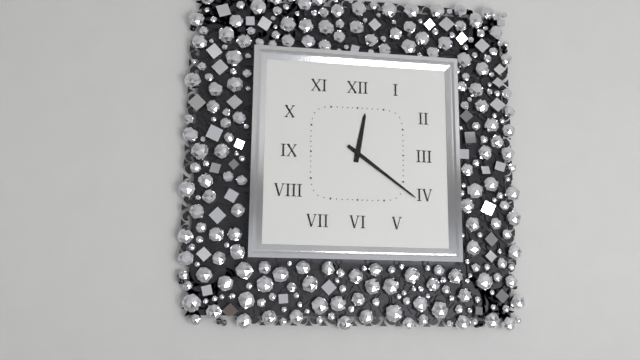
12,21
